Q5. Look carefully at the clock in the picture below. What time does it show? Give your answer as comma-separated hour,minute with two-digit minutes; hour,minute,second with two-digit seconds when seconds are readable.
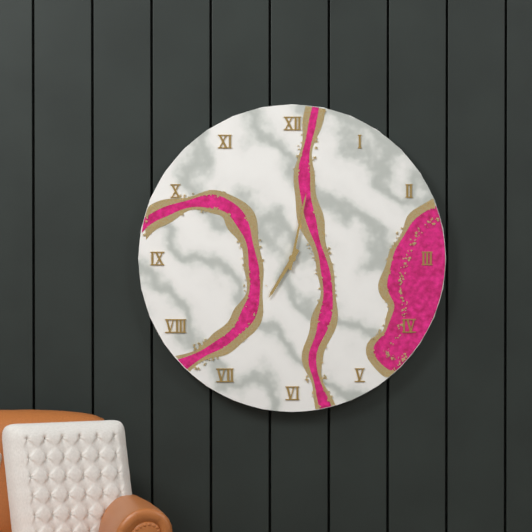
7,02
